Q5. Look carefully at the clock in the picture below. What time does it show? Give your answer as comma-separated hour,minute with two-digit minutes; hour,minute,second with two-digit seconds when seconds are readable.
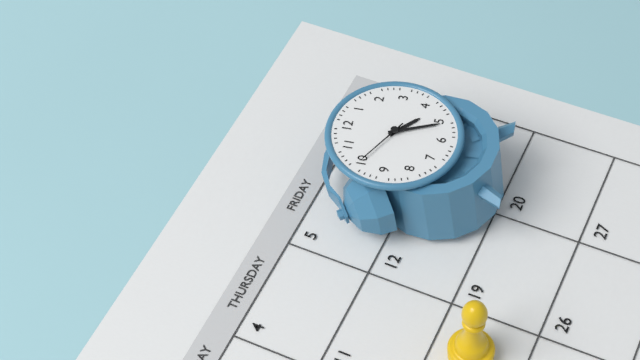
4,26,50
